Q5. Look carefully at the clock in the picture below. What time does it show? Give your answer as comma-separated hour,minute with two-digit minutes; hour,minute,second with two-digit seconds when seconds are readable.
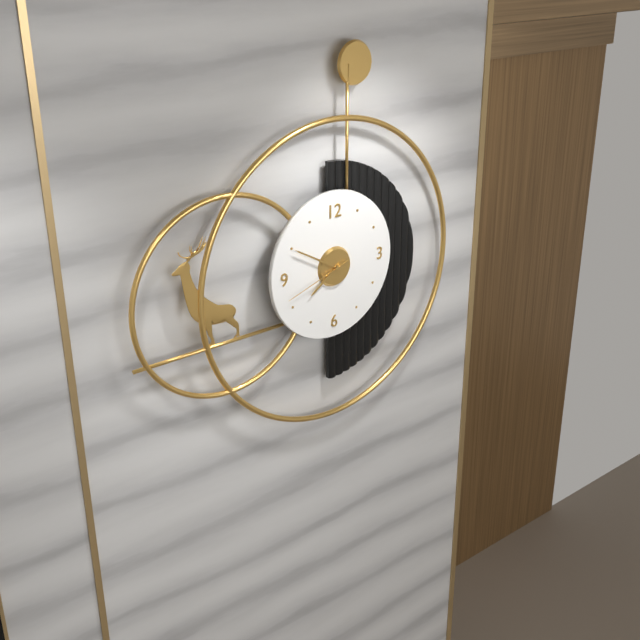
7,50,42
